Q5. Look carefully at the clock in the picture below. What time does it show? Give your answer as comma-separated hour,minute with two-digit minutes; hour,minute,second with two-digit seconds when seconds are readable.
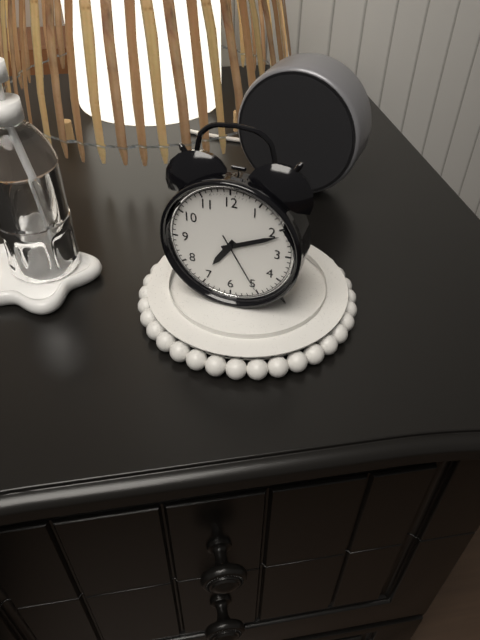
7,11,25
